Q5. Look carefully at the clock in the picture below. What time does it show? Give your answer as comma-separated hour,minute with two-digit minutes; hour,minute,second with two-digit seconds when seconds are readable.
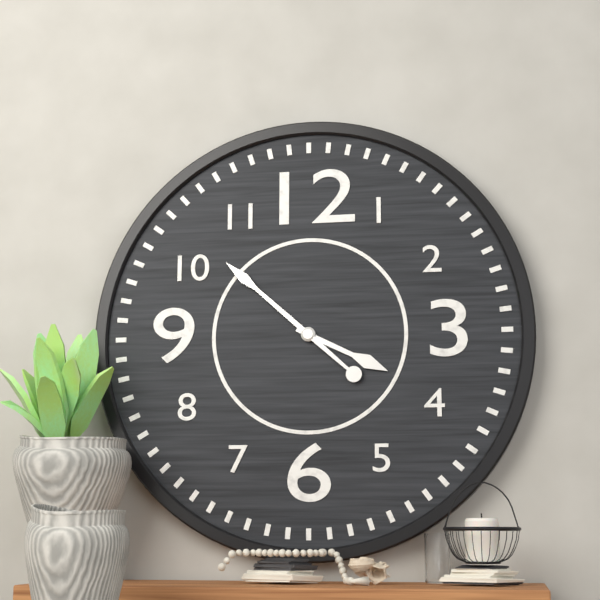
3,52
